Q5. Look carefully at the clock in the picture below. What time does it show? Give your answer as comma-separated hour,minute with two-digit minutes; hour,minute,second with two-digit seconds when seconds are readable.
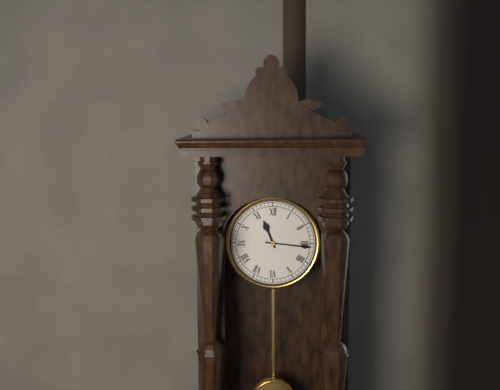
11,16
